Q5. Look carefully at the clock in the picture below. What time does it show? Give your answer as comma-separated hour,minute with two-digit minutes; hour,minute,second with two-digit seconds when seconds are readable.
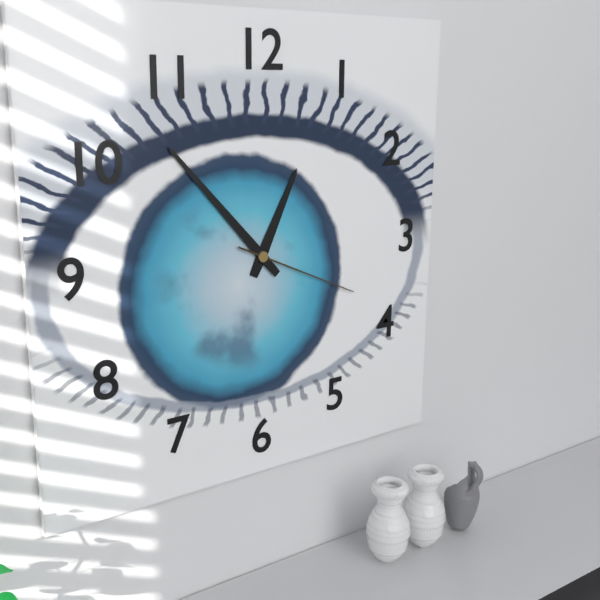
12,53,19
